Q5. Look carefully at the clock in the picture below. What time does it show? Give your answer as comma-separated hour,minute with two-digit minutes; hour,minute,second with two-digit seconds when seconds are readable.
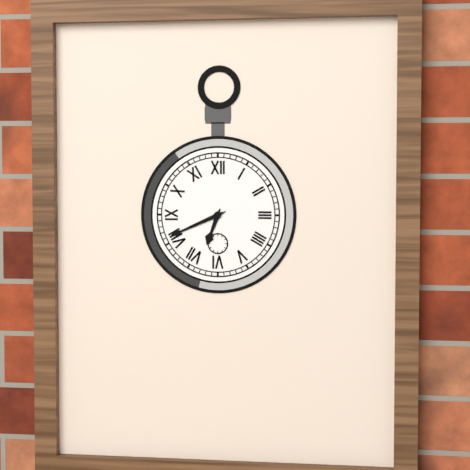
6,41
